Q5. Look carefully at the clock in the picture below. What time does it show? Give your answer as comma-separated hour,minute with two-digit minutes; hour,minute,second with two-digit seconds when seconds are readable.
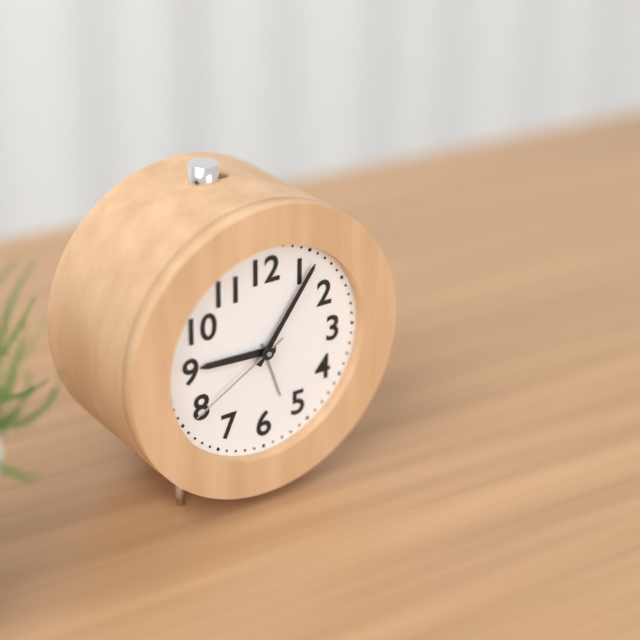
9,06,40
